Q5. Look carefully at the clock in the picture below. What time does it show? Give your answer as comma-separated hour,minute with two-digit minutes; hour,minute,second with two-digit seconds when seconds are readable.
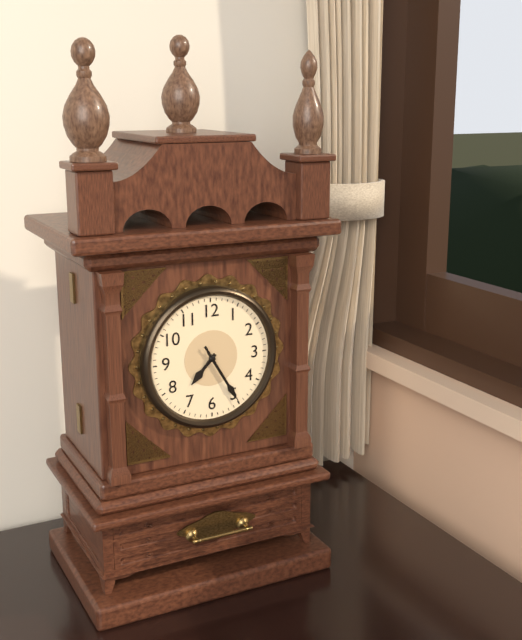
7,25,25
